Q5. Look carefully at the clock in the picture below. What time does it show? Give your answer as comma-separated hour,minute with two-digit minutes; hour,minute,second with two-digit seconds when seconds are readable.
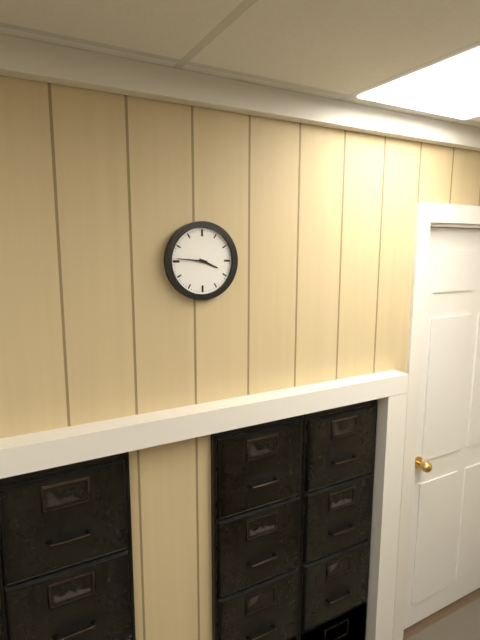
3,46
